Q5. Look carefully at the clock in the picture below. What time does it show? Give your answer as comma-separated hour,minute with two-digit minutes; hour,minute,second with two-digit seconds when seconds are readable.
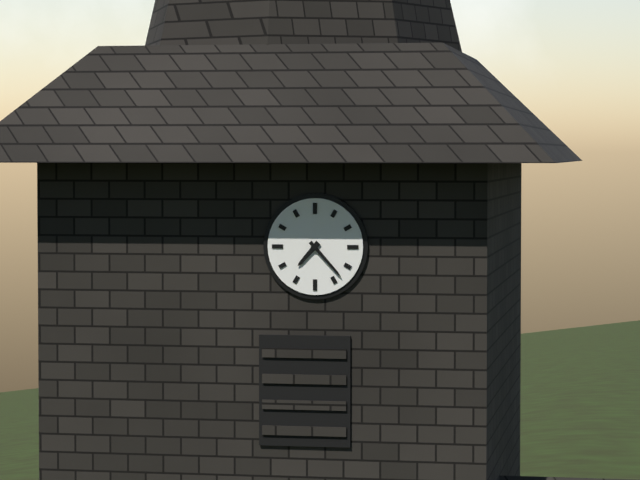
7,23
